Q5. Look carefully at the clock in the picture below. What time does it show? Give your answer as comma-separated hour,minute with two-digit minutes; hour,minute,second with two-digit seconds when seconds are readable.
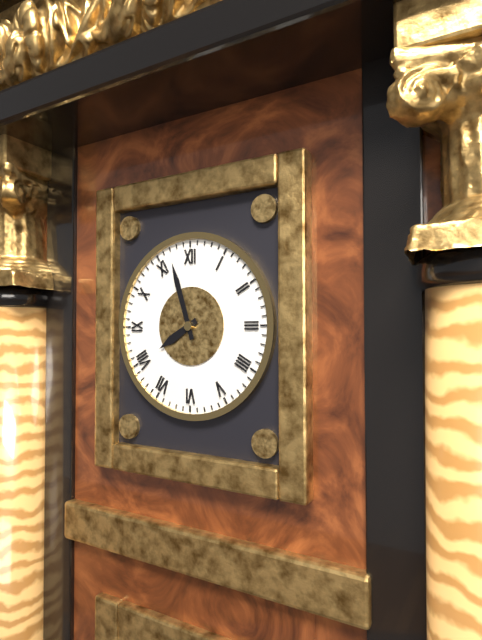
7,57
